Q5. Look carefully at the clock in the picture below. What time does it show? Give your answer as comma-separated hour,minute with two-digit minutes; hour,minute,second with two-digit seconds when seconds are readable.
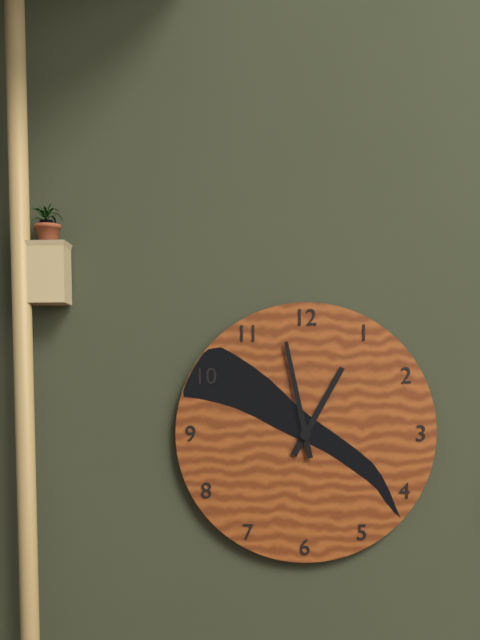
12,58
